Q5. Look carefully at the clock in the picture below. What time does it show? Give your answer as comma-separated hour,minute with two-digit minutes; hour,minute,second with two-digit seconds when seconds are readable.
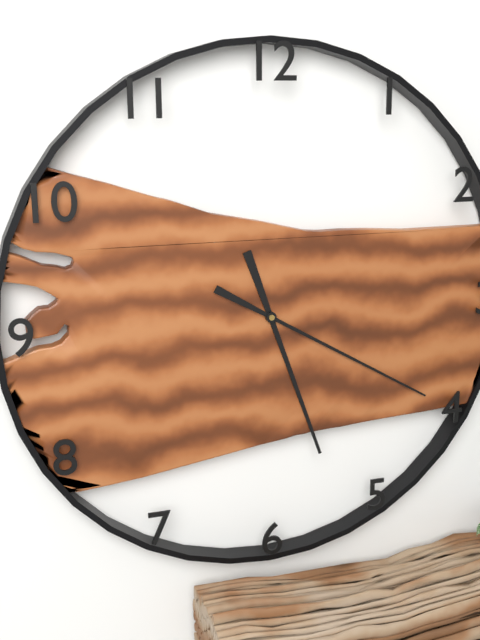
5,20
